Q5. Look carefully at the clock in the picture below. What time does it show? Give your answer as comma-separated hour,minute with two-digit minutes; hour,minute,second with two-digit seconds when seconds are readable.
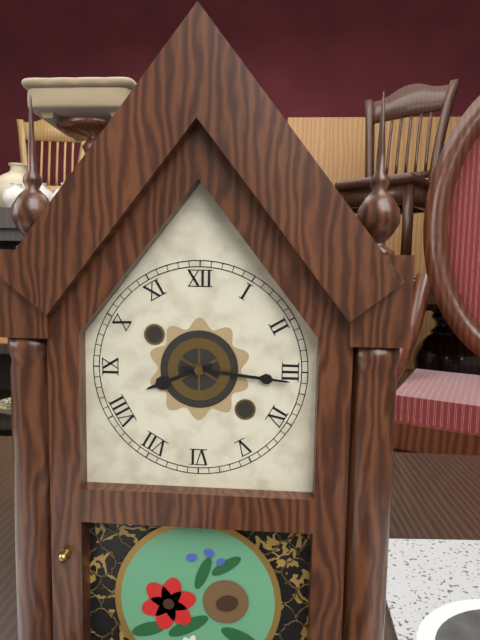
8,16
